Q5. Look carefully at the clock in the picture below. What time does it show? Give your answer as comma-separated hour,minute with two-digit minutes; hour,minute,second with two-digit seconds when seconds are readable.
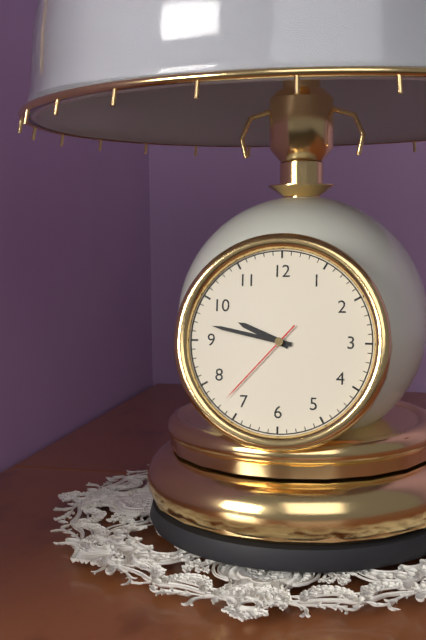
9,47,37
